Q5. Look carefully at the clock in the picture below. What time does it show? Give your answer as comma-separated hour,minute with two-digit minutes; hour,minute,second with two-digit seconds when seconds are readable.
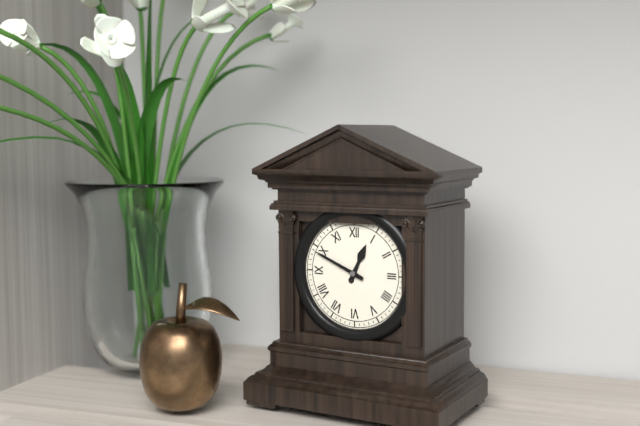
12,49
